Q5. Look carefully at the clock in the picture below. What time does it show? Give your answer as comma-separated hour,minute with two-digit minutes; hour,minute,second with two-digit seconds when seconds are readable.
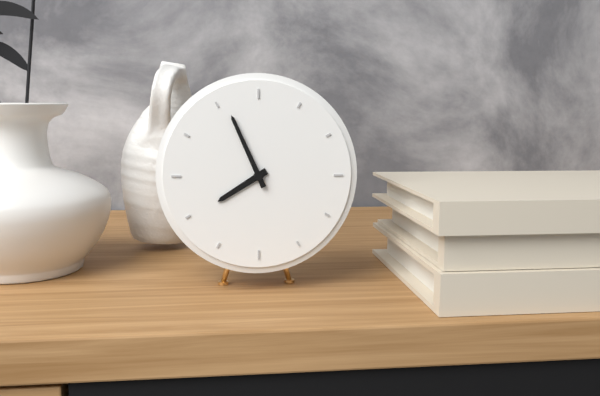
7,56
